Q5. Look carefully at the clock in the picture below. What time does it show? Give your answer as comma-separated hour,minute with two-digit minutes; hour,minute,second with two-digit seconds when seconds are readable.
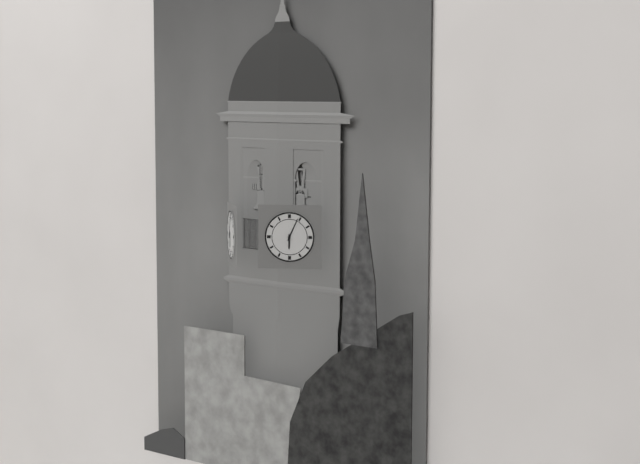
6,04
